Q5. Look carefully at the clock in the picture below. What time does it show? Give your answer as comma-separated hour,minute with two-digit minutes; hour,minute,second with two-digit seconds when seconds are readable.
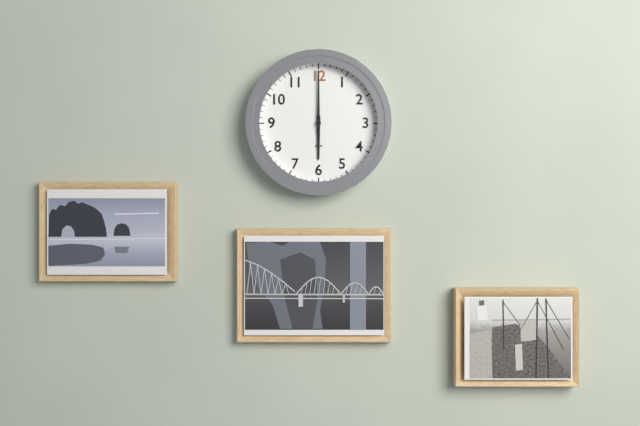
6,00
